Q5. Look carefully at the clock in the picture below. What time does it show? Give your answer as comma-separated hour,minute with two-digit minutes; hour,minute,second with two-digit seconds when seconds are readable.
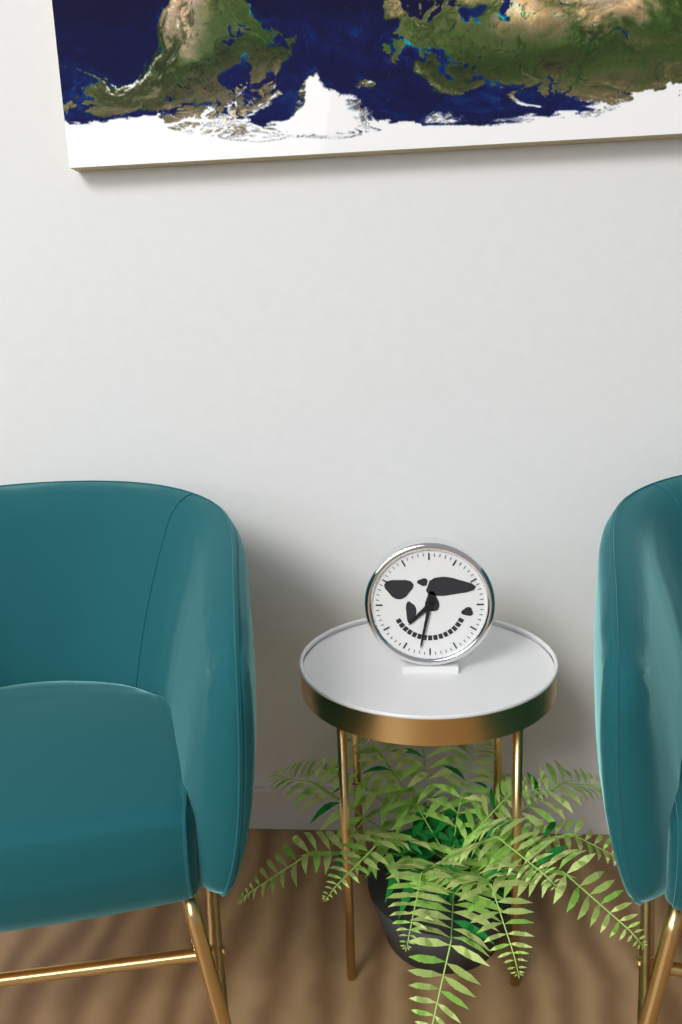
7,32
